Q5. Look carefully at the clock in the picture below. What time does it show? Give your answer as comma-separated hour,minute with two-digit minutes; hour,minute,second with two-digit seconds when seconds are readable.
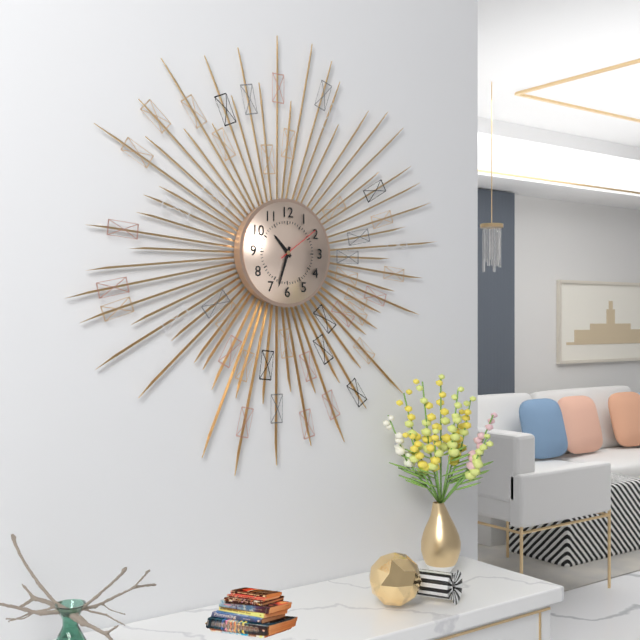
10,33
